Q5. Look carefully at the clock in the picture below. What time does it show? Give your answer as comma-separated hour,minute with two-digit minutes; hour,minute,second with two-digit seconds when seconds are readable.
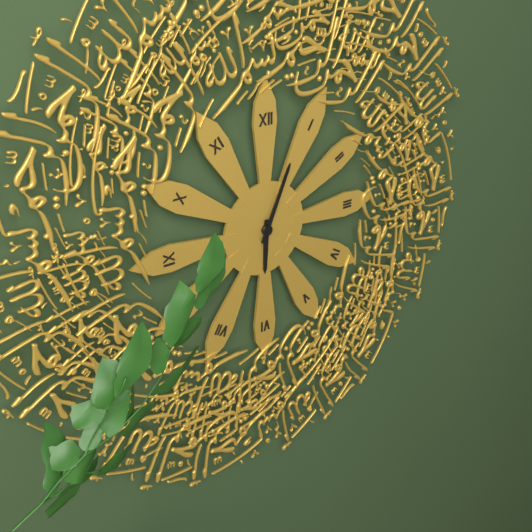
6,04
